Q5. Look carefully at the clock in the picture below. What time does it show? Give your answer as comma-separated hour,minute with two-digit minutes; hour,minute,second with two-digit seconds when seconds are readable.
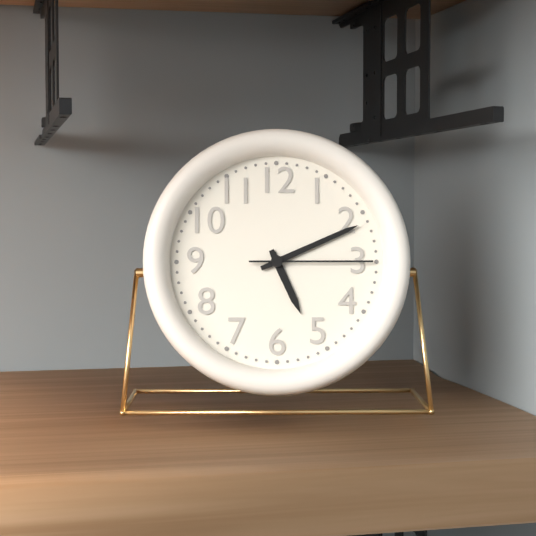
5,11,15
